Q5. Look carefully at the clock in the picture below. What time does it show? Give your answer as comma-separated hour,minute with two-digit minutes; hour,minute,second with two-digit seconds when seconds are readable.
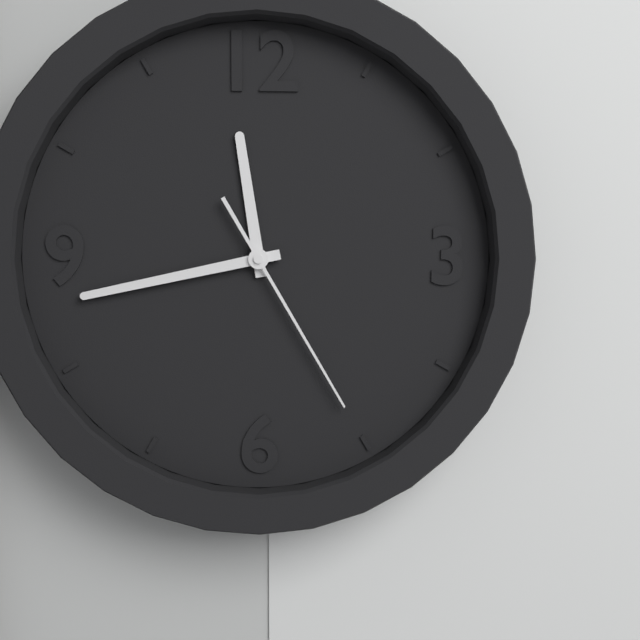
11,43,25
